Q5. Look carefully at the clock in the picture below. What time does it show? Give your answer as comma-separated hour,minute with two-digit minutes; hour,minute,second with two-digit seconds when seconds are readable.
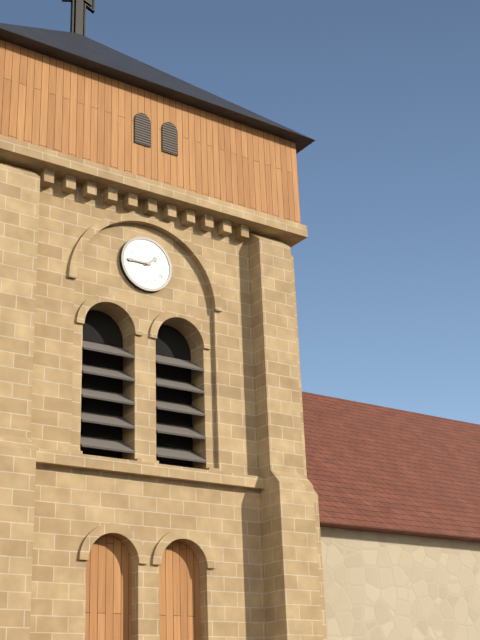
1,45
